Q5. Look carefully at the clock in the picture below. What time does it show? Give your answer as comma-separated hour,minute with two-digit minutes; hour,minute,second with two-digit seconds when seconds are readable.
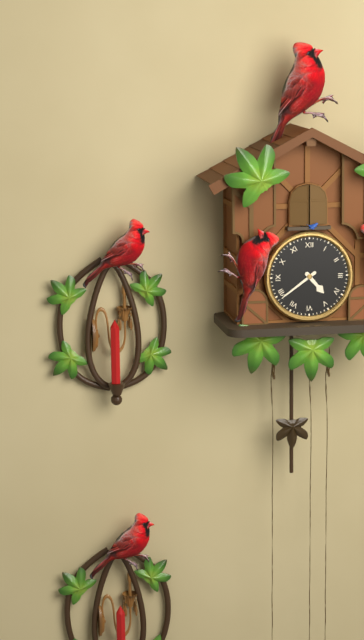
4,39
